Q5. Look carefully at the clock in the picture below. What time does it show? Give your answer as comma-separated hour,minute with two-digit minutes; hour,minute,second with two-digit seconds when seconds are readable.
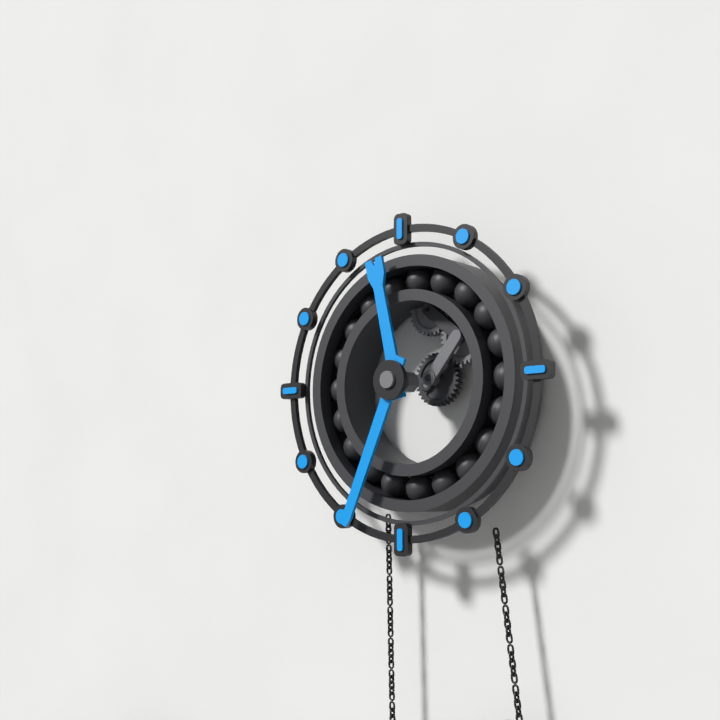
11,34
